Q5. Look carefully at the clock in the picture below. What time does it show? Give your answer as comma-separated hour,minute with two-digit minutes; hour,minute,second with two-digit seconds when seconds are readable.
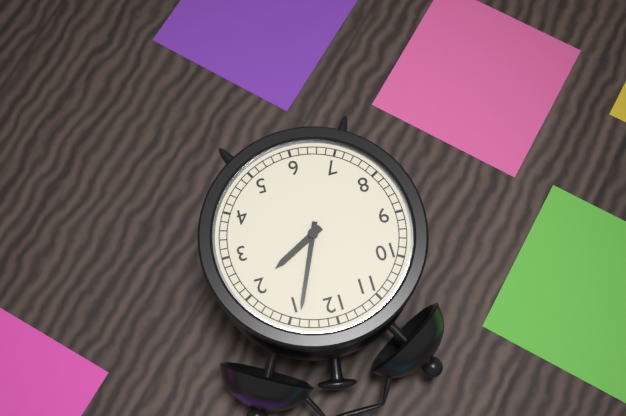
2,04
